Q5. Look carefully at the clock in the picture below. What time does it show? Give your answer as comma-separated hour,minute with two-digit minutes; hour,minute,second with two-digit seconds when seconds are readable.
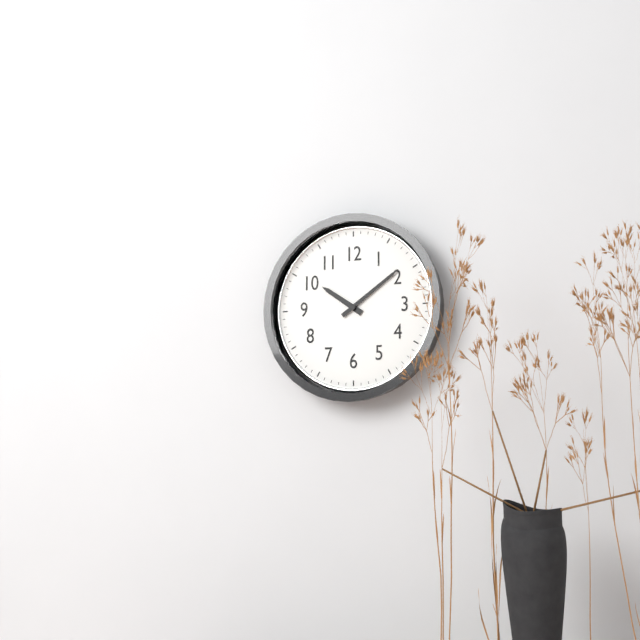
10,09
